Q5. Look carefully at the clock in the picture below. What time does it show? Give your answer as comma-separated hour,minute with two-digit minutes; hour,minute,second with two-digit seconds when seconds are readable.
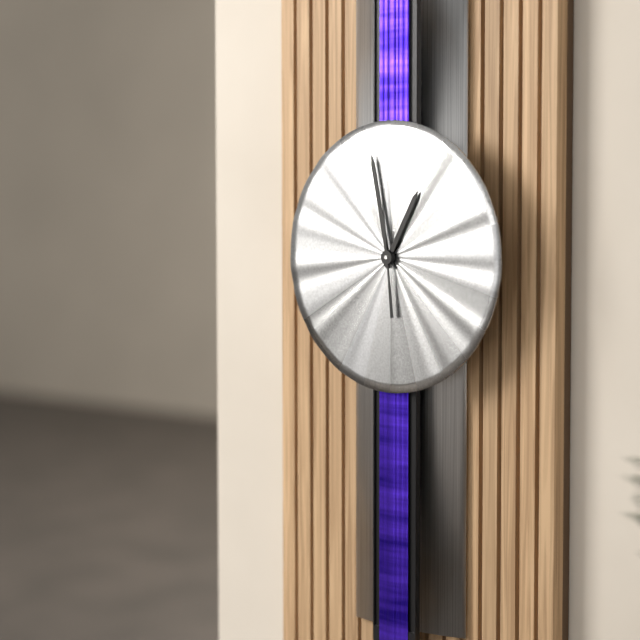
12,58,59
